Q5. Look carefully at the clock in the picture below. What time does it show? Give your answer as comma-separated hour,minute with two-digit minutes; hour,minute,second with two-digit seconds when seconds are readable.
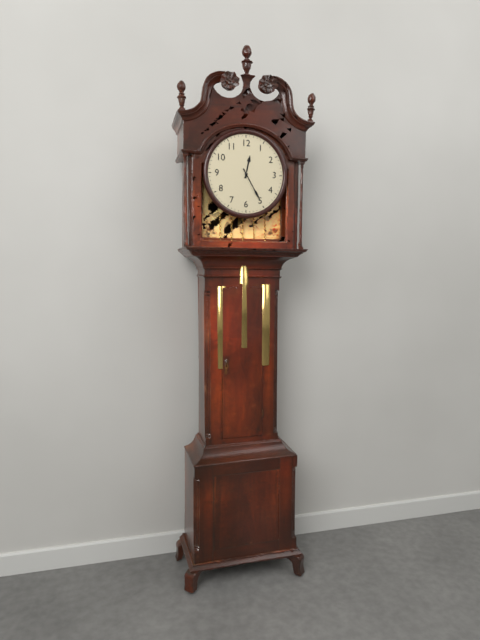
12,25
